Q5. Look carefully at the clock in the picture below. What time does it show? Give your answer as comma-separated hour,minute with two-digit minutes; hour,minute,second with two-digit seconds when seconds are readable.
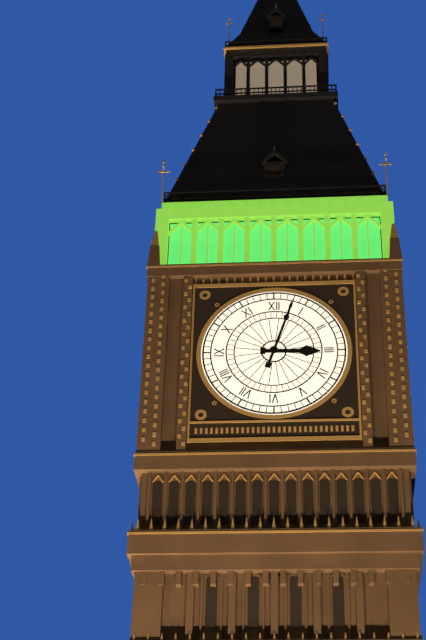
3,03
